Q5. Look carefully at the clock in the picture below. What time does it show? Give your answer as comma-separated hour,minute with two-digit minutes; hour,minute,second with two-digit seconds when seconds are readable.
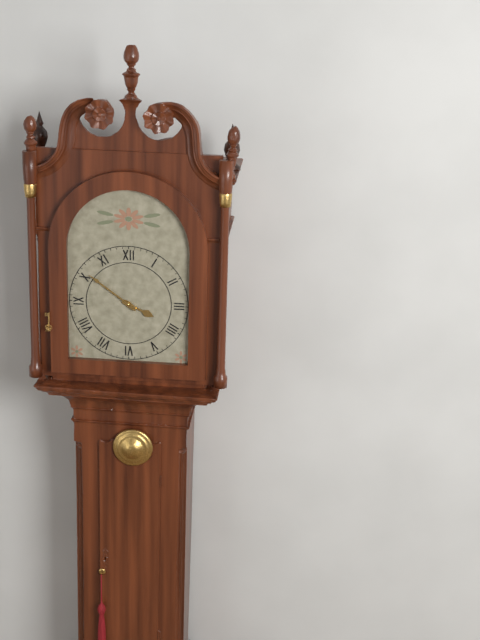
3,51
